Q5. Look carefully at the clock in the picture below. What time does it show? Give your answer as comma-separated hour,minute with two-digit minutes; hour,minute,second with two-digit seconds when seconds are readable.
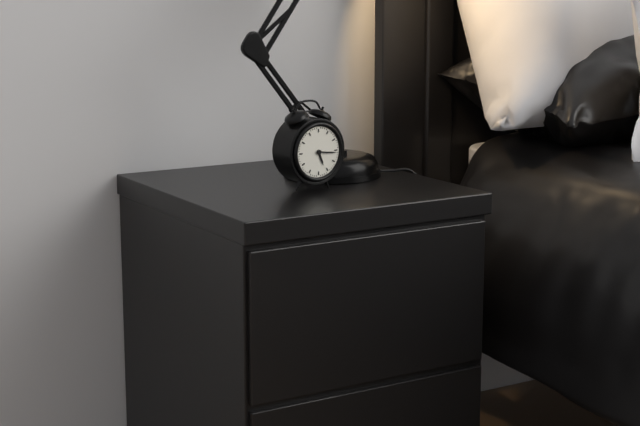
5,16
